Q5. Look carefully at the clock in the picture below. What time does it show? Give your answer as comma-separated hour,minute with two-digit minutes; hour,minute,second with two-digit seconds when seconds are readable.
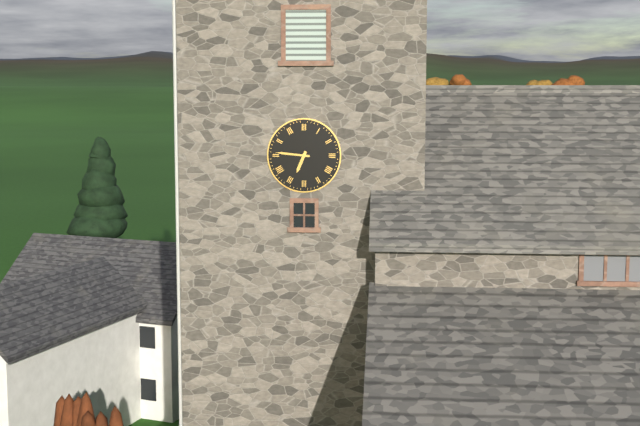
6,46
